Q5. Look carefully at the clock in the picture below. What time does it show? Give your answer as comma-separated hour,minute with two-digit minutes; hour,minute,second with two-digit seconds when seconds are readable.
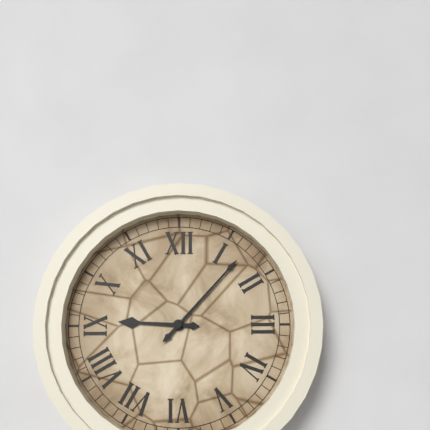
9,07
